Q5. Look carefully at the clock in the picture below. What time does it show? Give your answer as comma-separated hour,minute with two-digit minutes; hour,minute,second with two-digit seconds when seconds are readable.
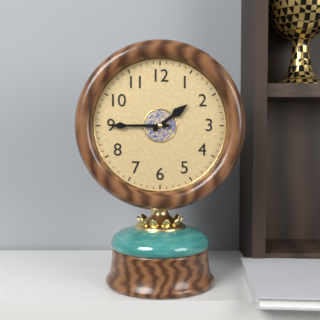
1,45
